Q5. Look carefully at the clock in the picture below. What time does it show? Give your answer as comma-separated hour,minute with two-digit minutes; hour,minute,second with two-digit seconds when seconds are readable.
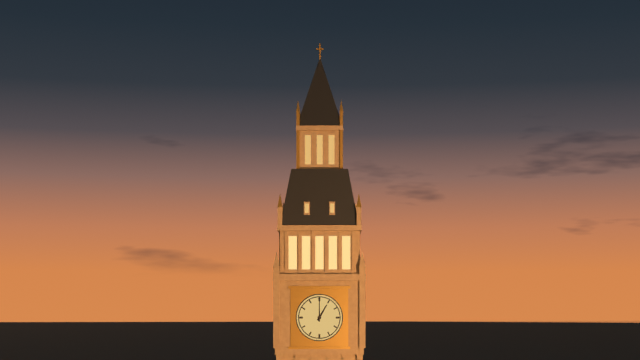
1,00
